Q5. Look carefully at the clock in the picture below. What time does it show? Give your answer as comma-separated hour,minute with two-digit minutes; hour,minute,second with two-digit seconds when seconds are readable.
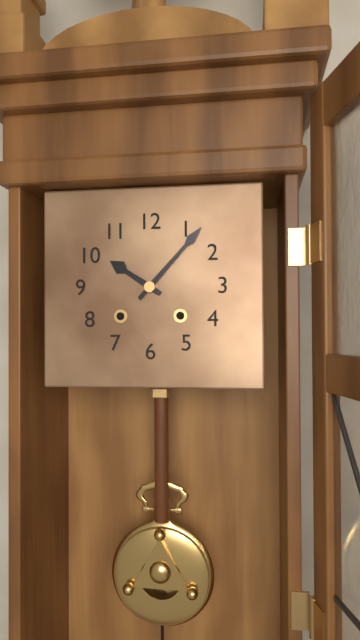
10,07
